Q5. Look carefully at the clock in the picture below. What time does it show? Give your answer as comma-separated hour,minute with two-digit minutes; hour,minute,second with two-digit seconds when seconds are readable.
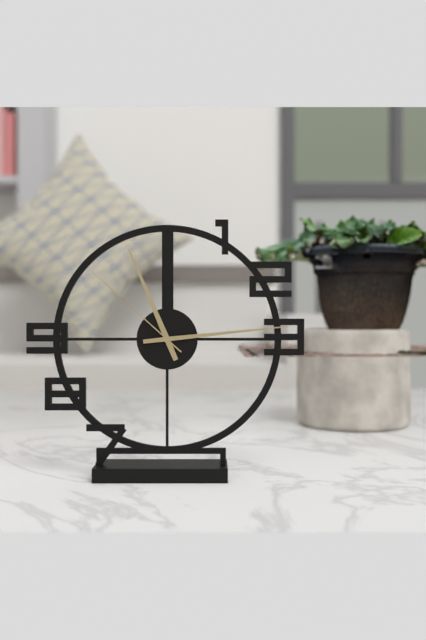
11,14,52
